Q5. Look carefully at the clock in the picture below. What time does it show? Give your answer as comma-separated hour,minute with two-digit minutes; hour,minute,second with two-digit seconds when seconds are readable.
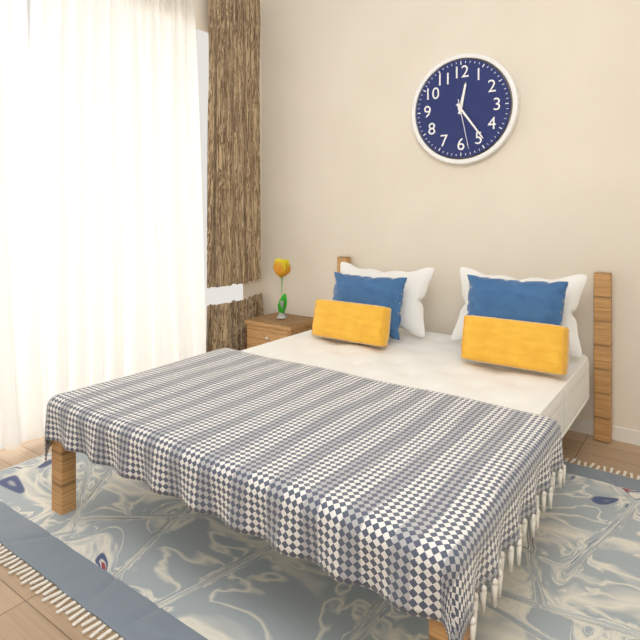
12,24,28
